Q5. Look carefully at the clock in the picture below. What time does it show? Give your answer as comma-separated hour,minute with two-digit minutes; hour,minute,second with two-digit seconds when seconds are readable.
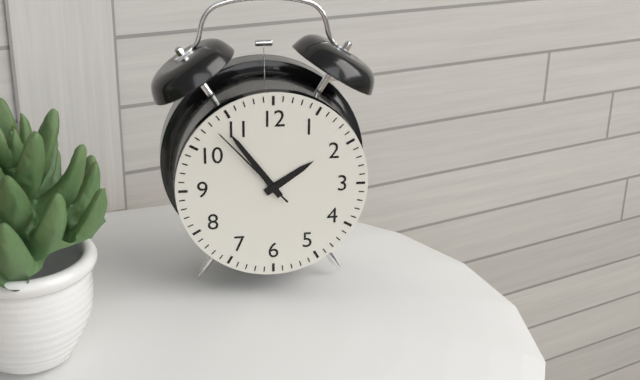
1,54,53
